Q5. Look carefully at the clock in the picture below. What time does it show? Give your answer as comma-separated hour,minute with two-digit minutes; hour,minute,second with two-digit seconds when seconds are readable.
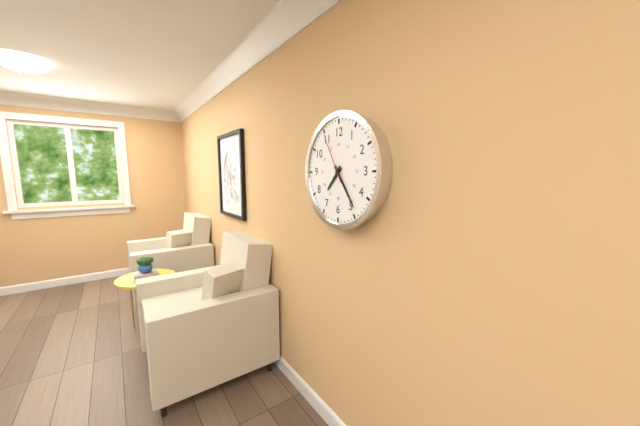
7,24
